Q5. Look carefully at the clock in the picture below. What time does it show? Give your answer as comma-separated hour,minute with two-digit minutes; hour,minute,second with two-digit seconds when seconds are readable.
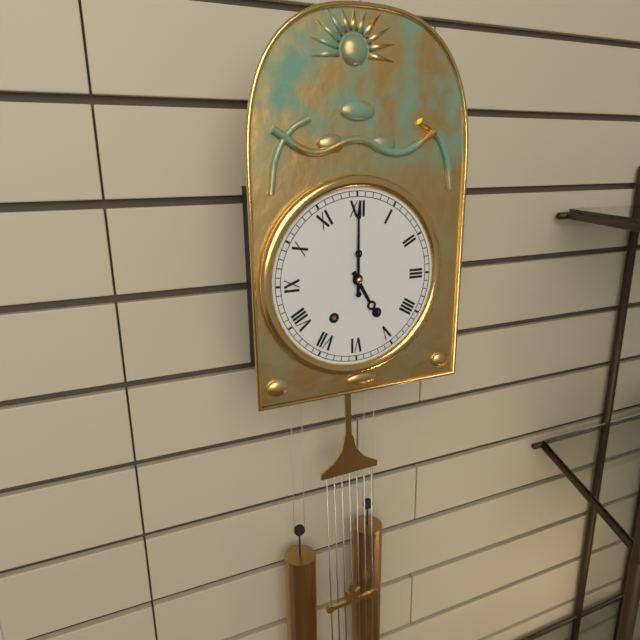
5,00
